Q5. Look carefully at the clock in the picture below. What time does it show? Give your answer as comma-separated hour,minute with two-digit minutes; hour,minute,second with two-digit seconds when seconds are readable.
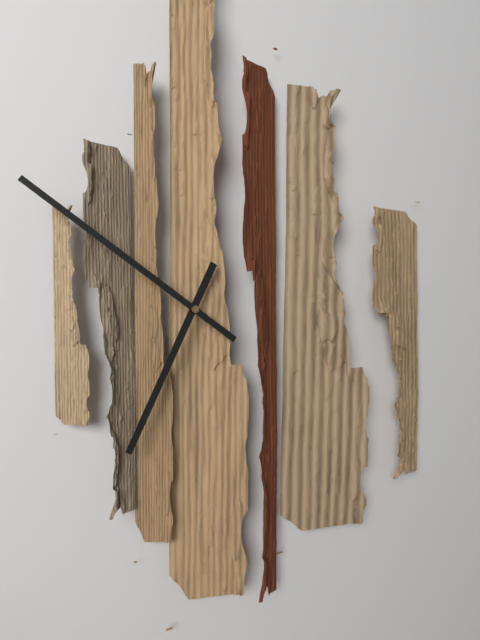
6,51
